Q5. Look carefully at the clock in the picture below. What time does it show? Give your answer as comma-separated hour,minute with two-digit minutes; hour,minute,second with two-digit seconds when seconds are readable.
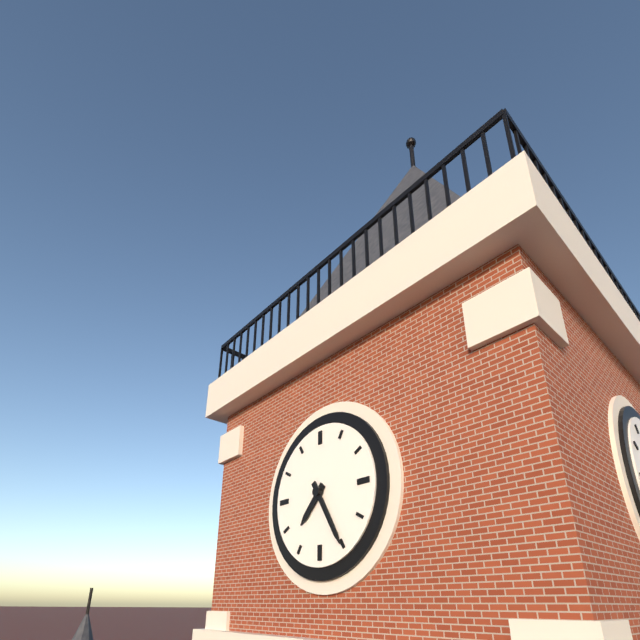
7,25
